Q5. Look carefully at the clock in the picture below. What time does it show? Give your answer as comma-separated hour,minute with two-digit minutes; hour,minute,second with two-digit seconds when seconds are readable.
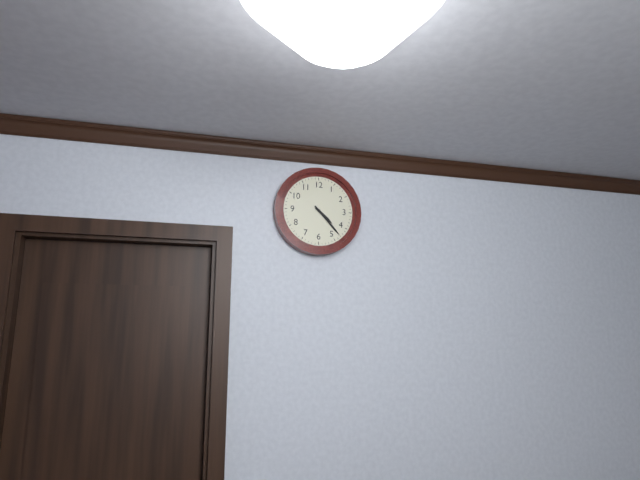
4,23
